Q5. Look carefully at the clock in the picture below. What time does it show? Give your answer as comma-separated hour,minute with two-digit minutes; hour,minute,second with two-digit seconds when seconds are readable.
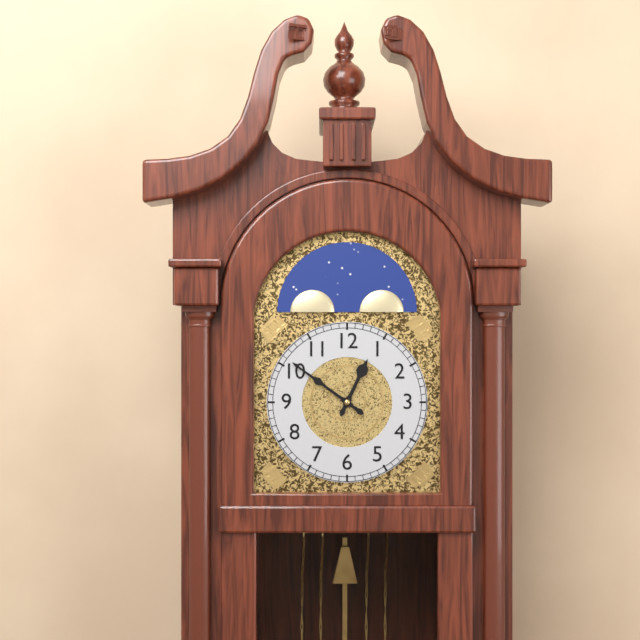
12,51
